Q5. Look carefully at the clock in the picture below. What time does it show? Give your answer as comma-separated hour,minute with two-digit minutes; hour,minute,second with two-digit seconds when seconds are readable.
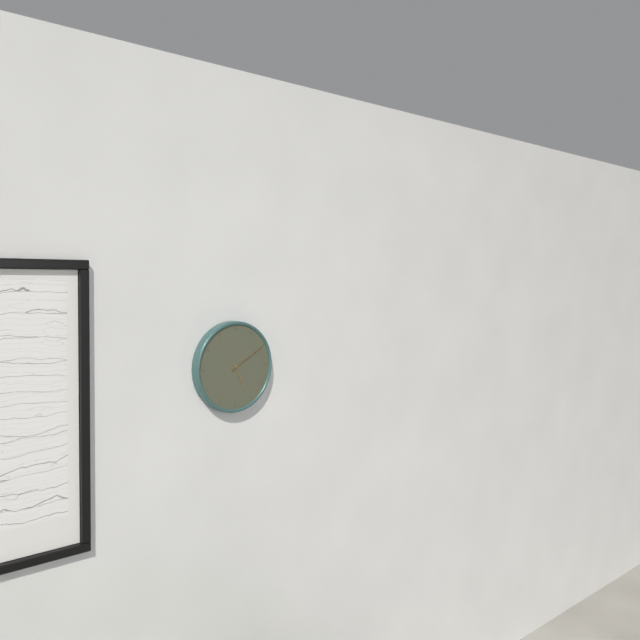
5,10
